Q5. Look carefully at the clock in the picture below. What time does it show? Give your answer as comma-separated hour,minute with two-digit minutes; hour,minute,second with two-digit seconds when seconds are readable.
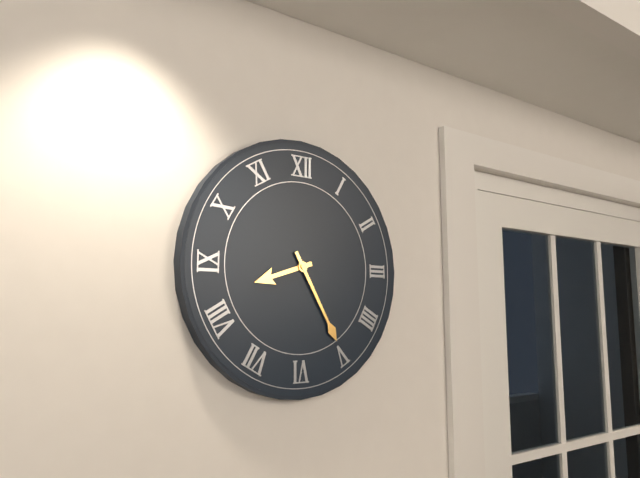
8,25
